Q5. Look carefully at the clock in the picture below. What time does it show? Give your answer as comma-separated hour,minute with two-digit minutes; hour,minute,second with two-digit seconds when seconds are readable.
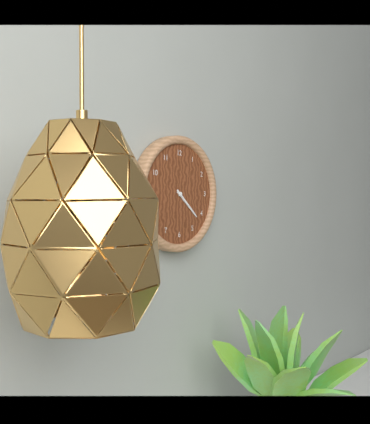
4,22
